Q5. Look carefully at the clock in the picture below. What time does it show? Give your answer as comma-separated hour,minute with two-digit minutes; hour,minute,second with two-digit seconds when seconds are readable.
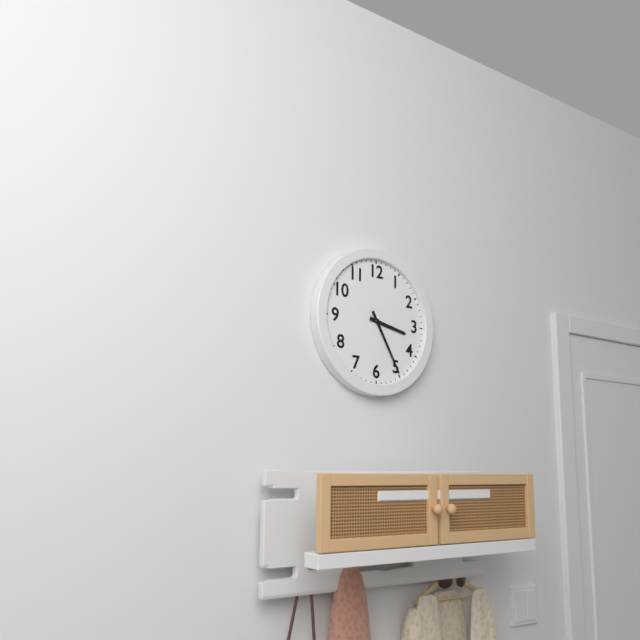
3,25
